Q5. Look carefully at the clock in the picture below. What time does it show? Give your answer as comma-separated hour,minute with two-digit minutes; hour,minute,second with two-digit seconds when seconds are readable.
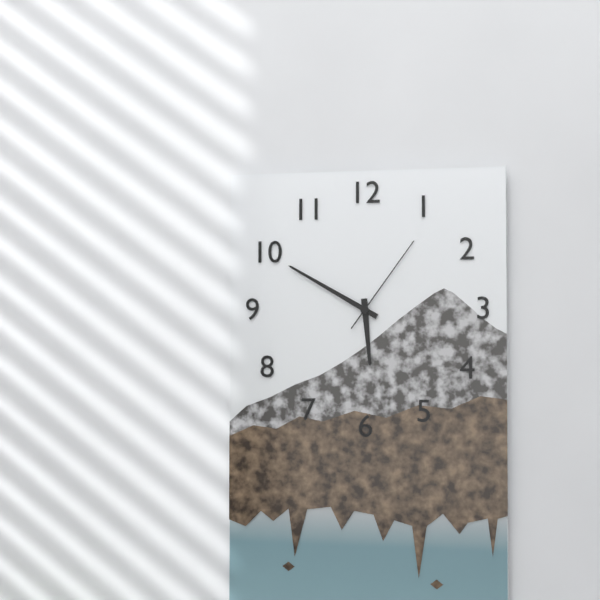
5,50,06
